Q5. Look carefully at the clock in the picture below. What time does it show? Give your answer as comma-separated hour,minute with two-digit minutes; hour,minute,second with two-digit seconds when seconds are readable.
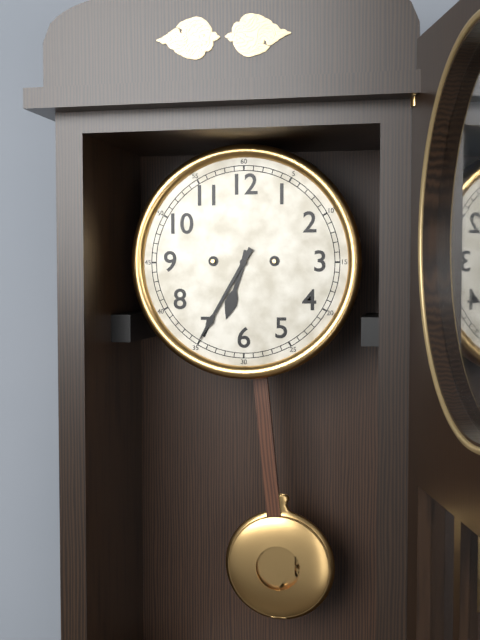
6,35
